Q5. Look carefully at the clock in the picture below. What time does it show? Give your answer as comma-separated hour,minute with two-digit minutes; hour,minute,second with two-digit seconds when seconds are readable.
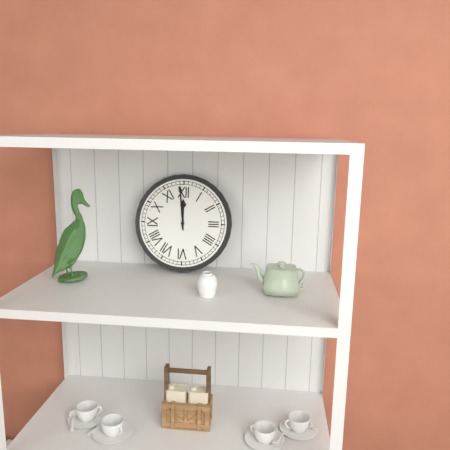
11,59
